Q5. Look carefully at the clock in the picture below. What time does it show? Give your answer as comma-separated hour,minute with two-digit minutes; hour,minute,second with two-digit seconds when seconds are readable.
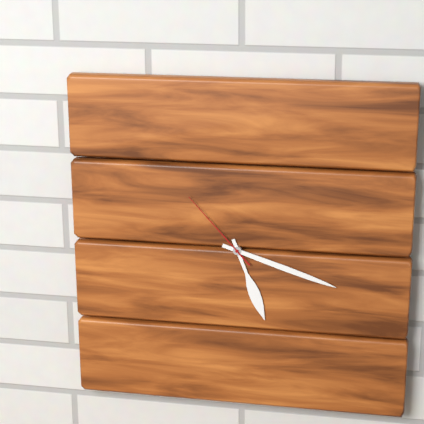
5,18,53
